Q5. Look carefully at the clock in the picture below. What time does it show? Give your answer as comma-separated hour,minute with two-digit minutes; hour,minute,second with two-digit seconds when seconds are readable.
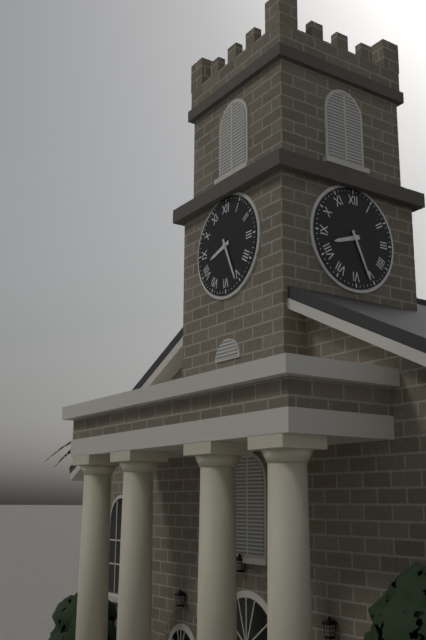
8,26
